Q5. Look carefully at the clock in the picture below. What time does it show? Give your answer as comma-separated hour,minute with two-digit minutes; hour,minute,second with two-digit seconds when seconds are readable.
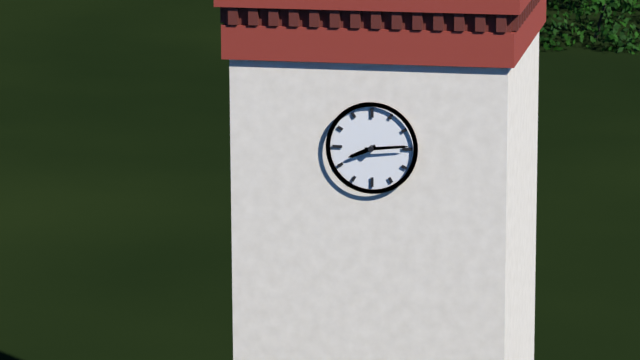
8,14
